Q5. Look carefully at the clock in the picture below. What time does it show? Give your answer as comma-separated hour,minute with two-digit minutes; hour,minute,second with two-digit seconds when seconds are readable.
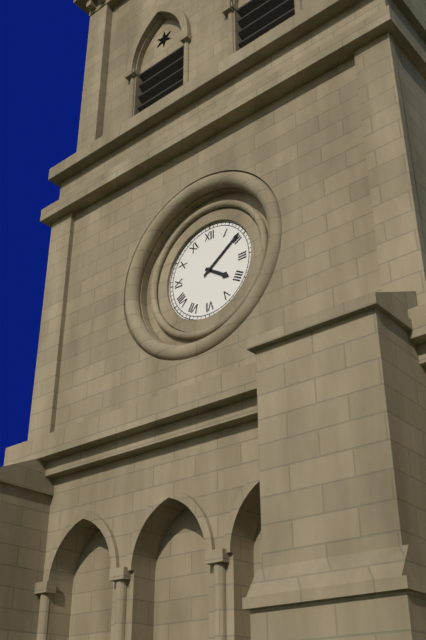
4,09
